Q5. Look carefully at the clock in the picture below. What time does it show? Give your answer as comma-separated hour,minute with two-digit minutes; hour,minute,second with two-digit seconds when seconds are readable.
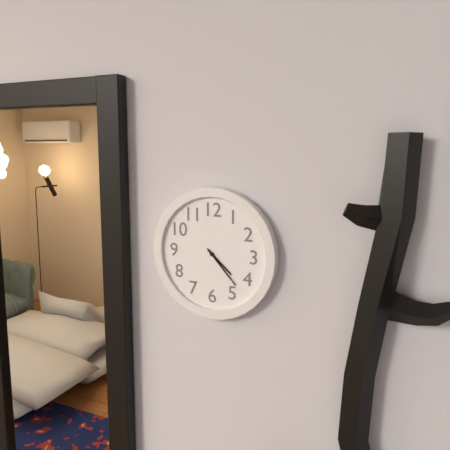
4,23
